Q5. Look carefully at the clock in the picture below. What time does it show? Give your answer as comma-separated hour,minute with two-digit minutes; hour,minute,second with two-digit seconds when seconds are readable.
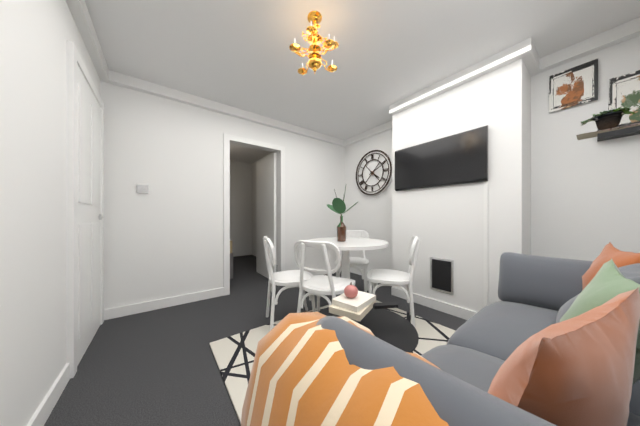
4,11
